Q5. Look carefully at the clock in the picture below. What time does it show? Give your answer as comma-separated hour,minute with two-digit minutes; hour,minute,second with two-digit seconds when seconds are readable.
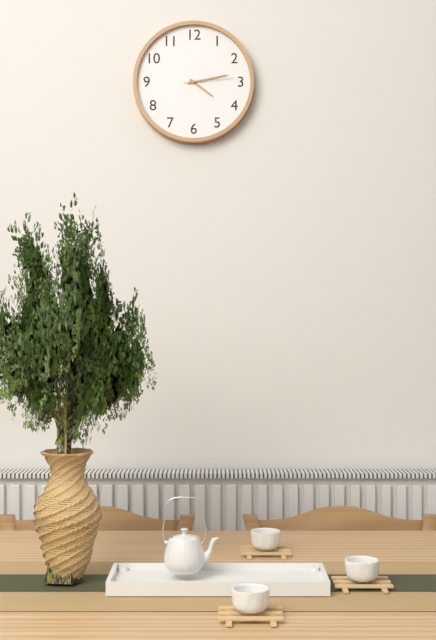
4,13,14
